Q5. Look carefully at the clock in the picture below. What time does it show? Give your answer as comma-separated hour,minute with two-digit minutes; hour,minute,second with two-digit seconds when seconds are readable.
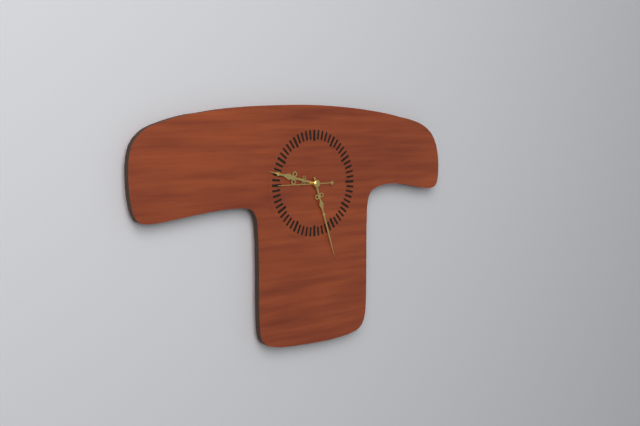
9,27
